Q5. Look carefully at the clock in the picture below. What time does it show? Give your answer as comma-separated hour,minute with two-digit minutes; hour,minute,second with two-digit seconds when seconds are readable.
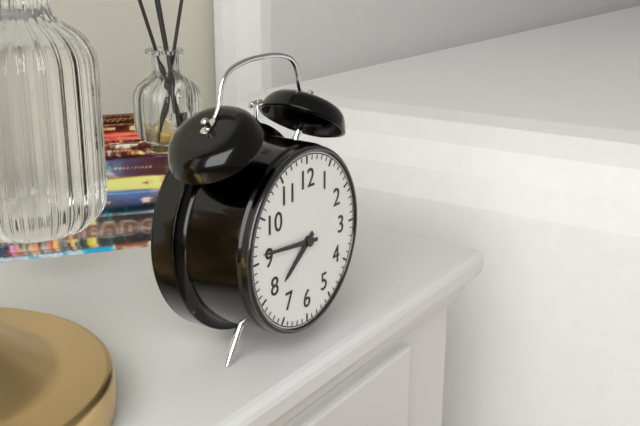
7,46
